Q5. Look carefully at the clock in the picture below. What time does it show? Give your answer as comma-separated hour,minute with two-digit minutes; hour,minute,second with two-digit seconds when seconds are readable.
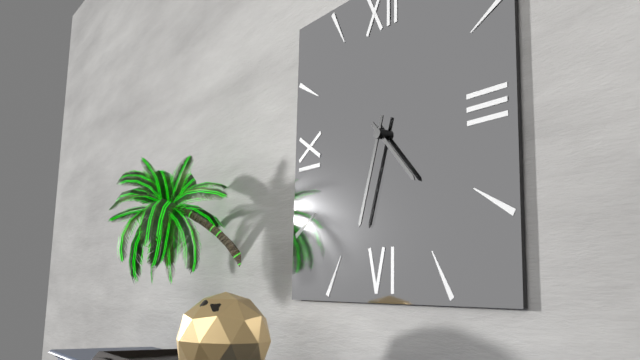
4,33
